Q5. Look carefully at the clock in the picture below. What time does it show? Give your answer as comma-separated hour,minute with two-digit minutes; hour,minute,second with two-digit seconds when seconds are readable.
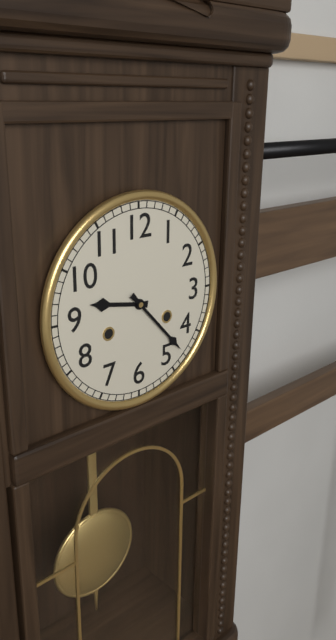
9,23
